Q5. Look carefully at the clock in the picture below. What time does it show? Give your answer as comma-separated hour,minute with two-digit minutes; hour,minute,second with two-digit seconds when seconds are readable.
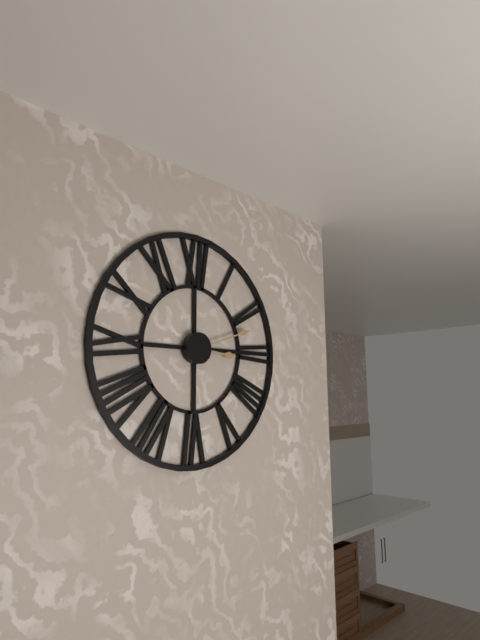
3,12
